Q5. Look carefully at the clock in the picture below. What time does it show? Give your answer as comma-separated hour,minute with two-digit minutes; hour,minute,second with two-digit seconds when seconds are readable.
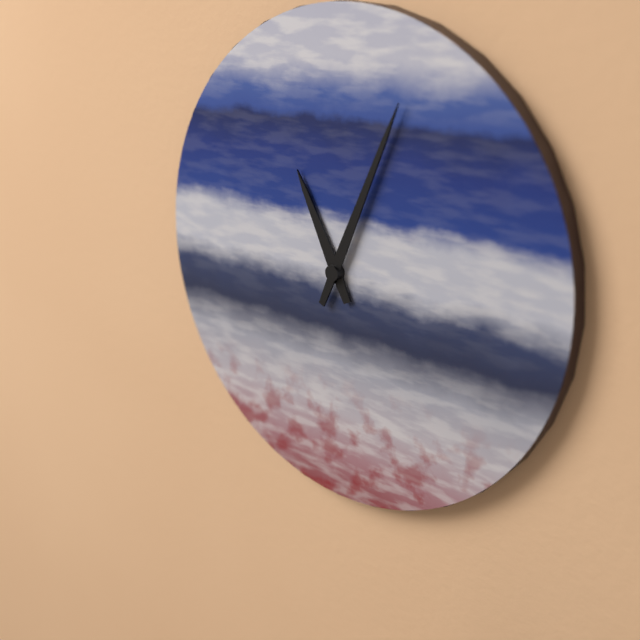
11,04
